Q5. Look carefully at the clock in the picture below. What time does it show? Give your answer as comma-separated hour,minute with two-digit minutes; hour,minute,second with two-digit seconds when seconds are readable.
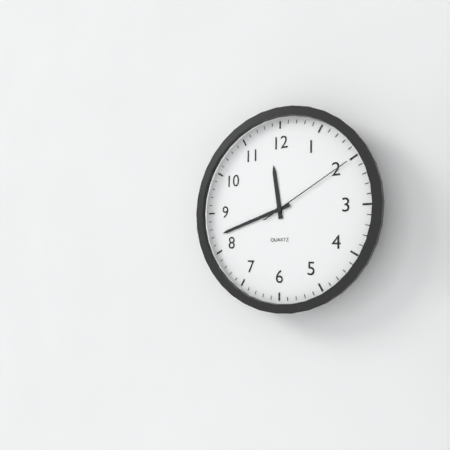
11,42,10
